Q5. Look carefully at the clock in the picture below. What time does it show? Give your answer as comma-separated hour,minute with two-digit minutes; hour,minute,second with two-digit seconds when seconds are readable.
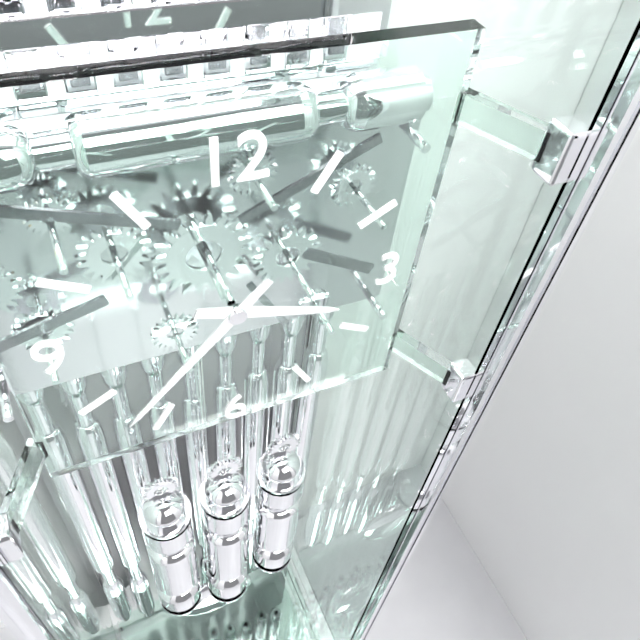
3,37
